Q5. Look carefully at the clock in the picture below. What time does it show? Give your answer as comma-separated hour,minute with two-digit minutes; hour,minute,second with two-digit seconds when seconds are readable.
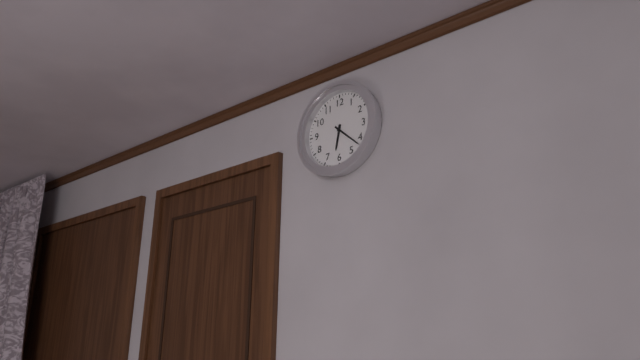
6,22
